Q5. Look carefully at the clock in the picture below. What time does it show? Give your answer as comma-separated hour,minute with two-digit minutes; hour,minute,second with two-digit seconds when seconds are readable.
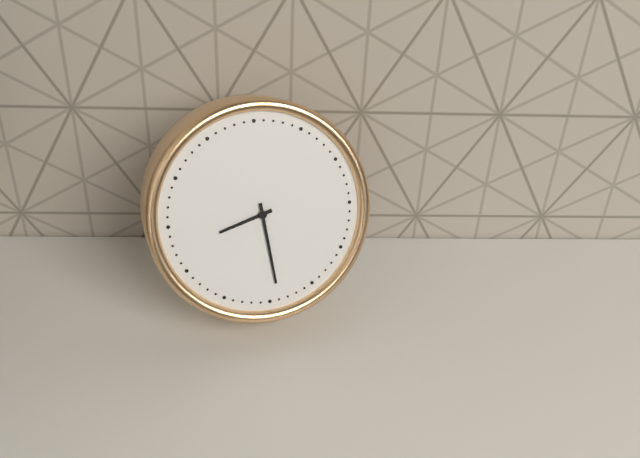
8,29
